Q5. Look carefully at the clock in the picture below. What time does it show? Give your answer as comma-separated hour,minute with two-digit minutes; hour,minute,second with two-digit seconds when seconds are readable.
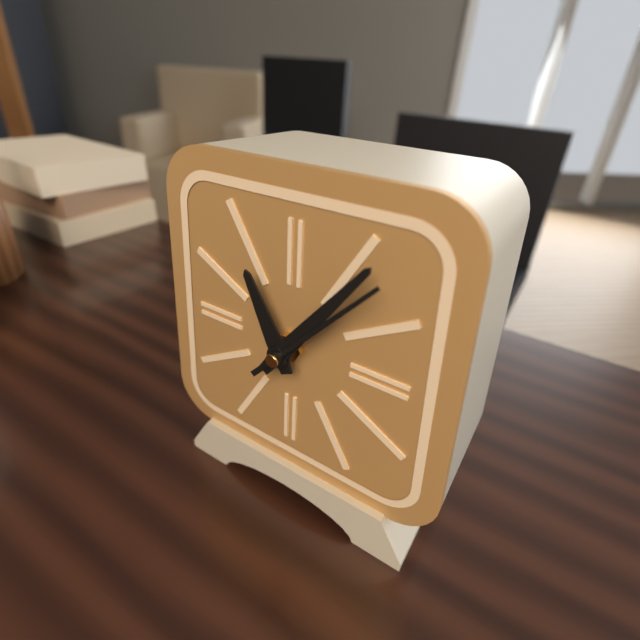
11,06,07
